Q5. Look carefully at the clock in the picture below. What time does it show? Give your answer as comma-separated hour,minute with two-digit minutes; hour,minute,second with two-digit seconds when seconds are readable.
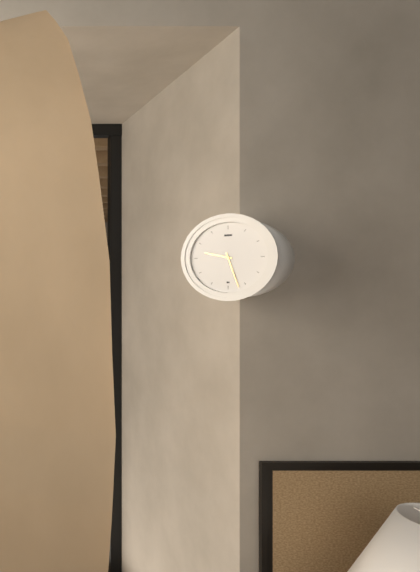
9,27
